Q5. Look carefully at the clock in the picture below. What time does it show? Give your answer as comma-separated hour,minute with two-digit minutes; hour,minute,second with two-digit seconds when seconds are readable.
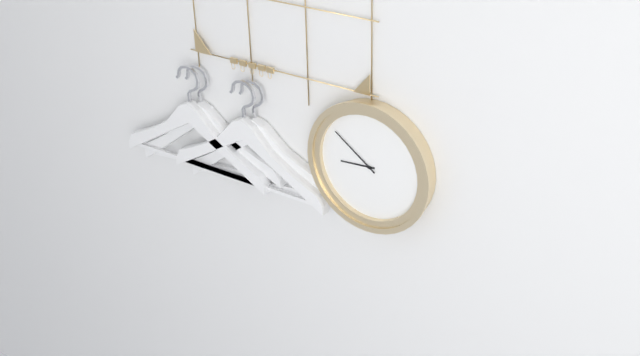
8,51
